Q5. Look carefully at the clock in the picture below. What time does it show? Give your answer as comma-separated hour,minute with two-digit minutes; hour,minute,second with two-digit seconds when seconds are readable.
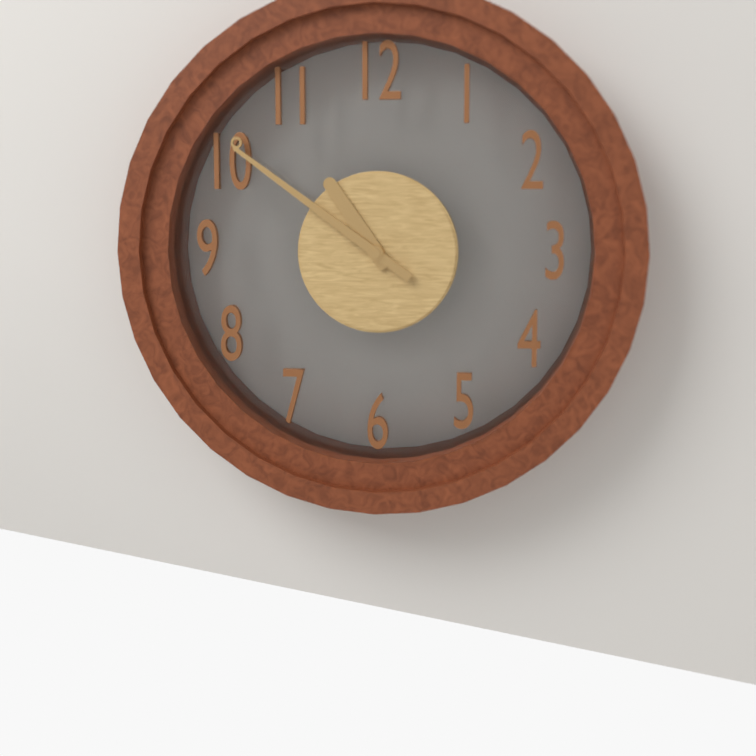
10,51
